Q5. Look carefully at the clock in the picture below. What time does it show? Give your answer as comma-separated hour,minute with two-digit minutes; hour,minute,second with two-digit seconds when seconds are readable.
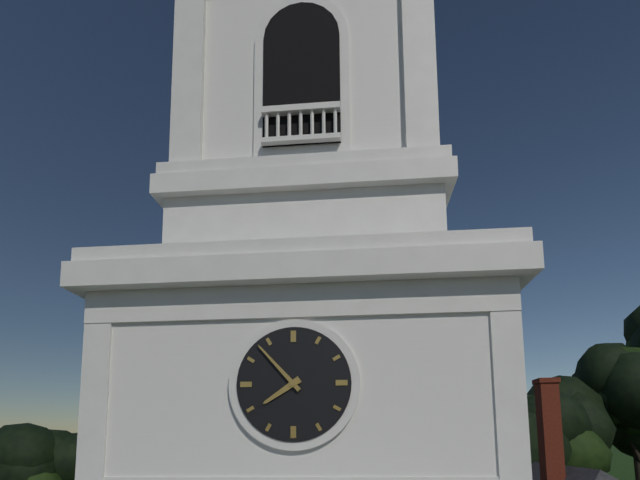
7,53
